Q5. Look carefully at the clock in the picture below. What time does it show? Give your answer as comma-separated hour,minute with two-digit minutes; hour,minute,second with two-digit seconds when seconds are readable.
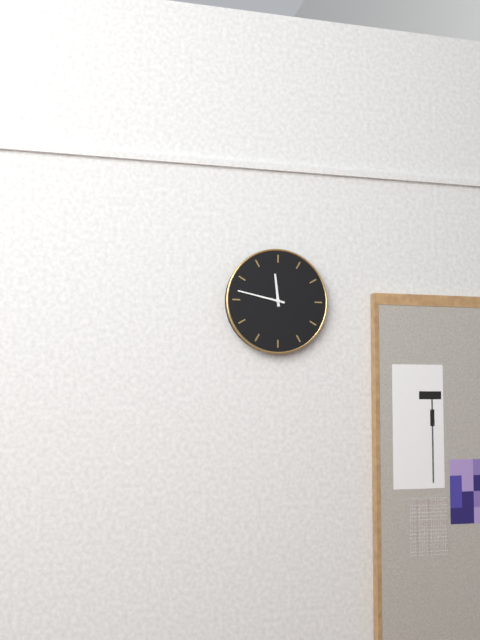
11,47
